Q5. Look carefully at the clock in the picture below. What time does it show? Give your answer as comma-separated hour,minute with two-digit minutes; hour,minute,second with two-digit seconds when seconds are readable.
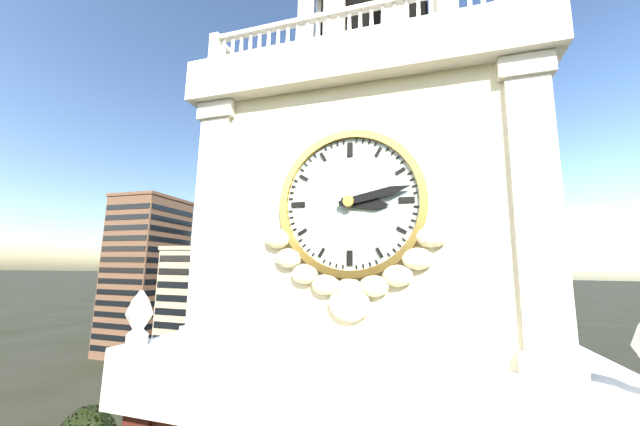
3,13
